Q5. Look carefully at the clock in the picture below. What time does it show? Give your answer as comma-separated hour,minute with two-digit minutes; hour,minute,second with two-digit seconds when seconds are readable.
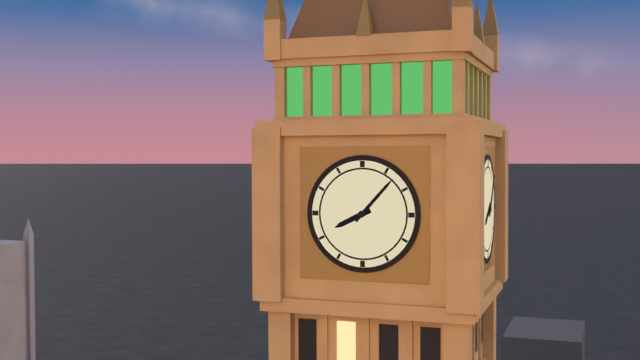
8,07
